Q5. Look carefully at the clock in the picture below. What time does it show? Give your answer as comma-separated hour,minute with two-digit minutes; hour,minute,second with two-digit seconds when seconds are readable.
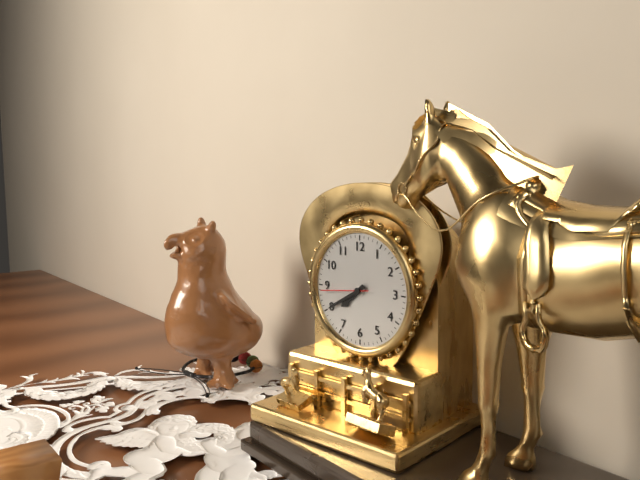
7,40
